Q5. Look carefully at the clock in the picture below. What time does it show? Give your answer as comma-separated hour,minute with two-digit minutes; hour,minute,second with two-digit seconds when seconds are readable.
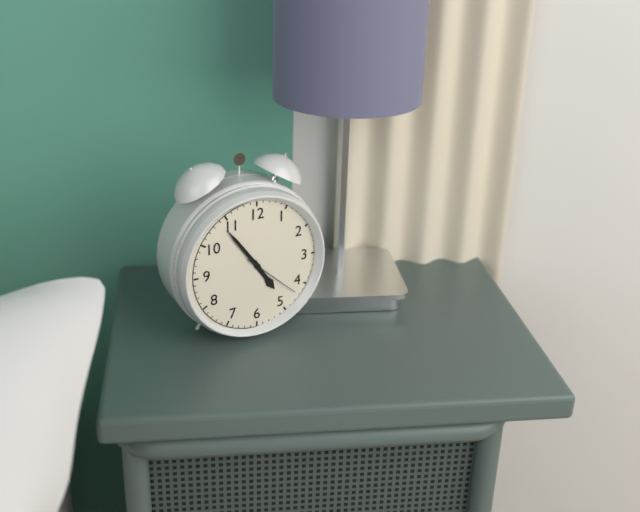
4,54,22
